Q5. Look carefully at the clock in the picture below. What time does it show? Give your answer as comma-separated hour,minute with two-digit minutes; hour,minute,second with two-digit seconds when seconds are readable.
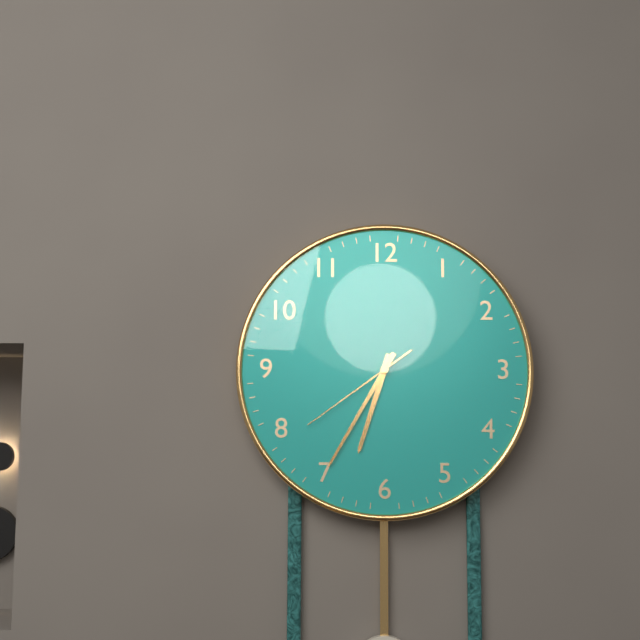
6,35,39
